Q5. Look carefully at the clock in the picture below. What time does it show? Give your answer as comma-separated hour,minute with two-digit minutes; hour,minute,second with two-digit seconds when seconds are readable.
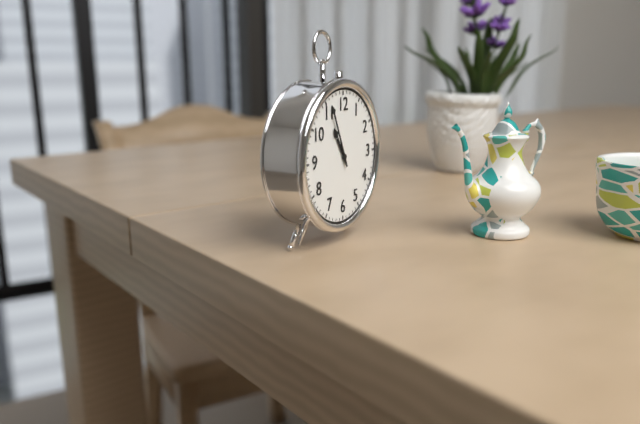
10,56
